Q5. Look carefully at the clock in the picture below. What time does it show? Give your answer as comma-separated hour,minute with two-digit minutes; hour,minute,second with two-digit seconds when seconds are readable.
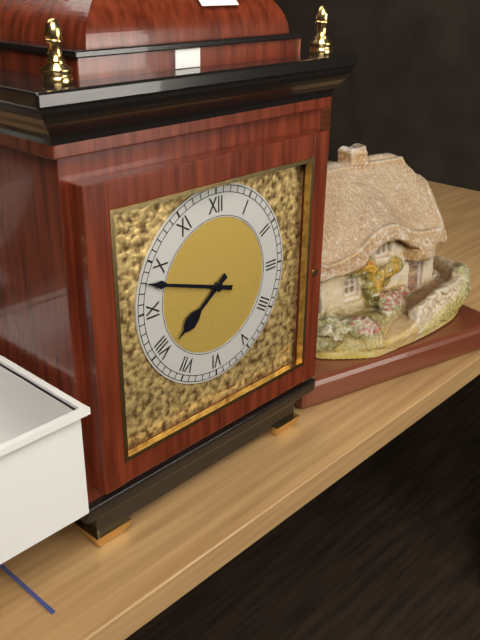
7,48
